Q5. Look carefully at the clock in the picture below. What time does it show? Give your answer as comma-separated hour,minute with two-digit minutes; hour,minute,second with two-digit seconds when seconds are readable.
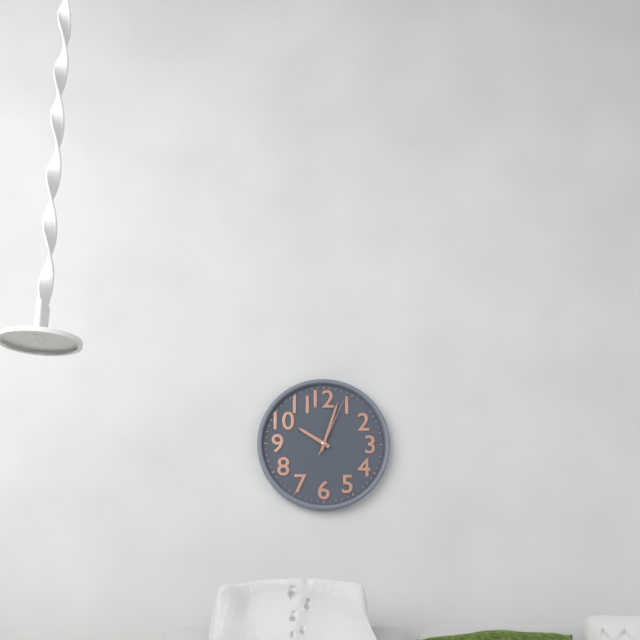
10,03,04
